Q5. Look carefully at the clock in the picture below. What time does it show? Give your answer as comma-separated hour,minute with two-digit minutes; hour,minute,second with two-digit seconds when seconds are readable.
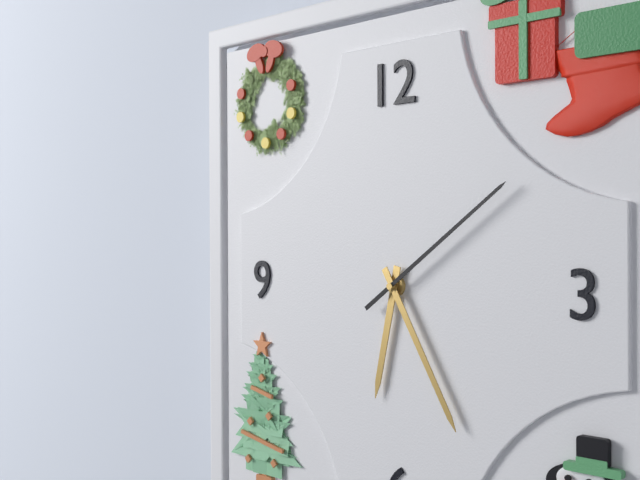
6,25,09
